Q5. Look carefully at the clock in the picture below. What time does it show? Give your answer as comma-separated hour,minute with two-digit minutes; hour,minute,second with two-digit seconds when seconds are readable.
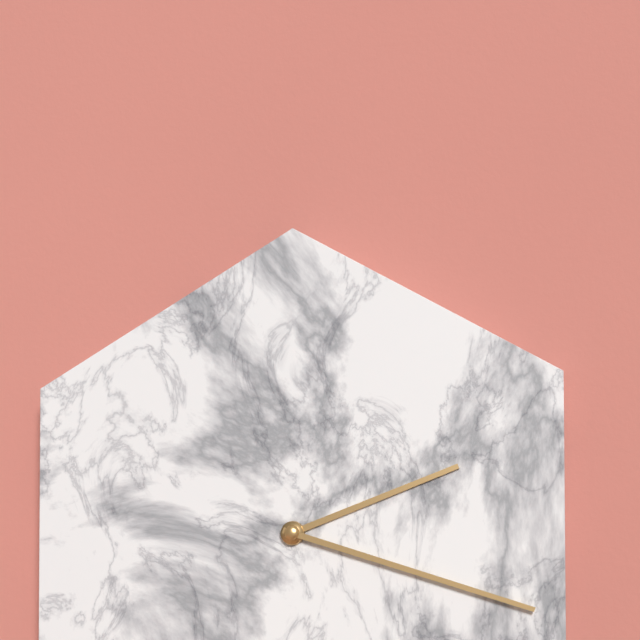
2,18
